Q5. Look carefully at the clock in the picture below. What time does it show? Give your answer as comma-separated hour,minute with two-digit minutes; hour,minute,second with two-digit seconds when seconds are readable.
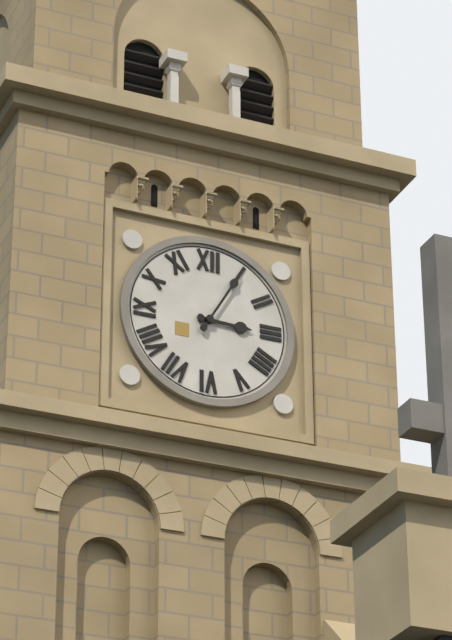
3,05
